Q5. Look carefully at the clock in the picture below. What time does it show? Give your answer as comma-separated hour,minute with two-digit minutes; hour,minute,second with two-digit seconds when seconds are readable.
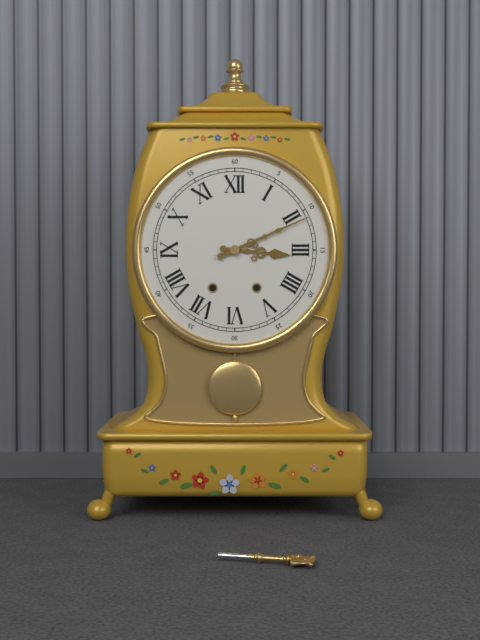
3,11
